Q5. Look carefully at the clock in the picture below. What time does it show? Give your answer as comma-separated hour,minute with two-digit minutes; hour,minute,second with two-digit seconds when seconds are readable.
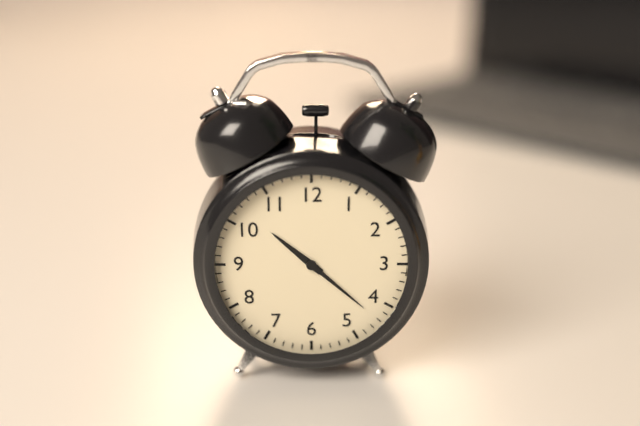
10,22
